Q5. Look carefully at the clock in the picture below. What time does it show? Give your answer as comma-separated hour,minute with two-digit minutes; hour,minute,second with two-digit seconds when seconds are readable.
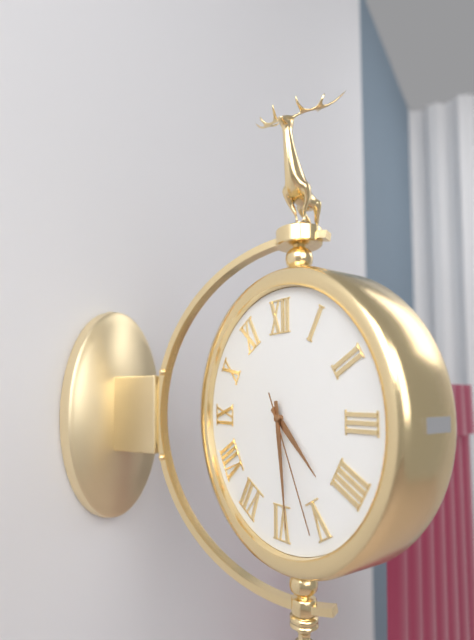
4,29,26
